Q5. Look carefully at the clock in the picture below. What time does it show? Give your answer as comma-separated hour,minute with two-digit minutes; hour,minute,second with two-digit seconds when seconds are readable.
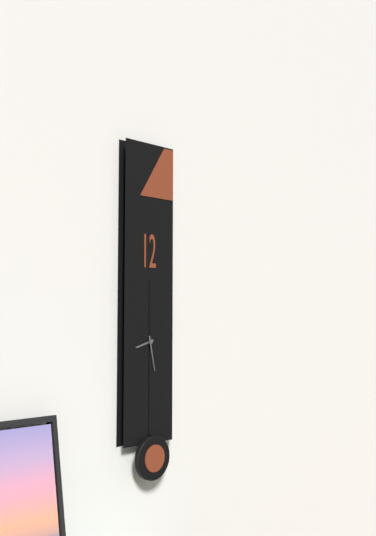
8,28
